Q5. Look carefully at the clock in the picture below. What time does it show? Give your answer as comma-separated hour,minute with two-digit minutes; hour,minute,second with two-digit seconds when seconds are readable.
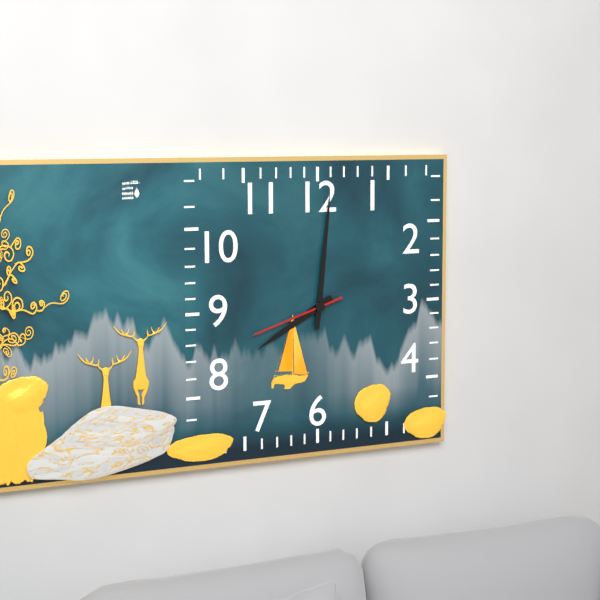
8,01,42
